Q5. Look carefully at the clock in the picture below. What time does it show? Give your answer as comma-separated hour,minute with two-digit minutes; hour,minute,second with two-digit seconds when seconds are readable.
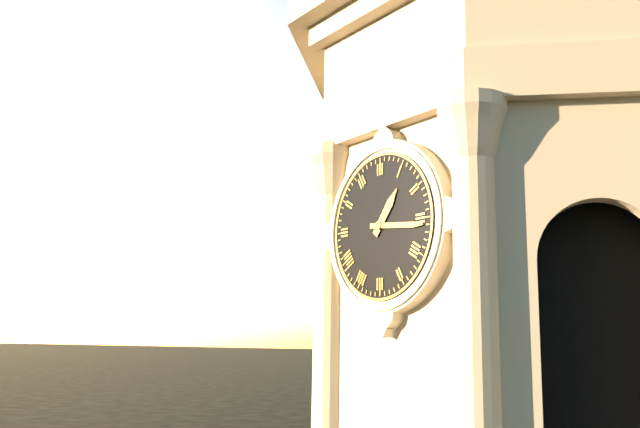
1,16
